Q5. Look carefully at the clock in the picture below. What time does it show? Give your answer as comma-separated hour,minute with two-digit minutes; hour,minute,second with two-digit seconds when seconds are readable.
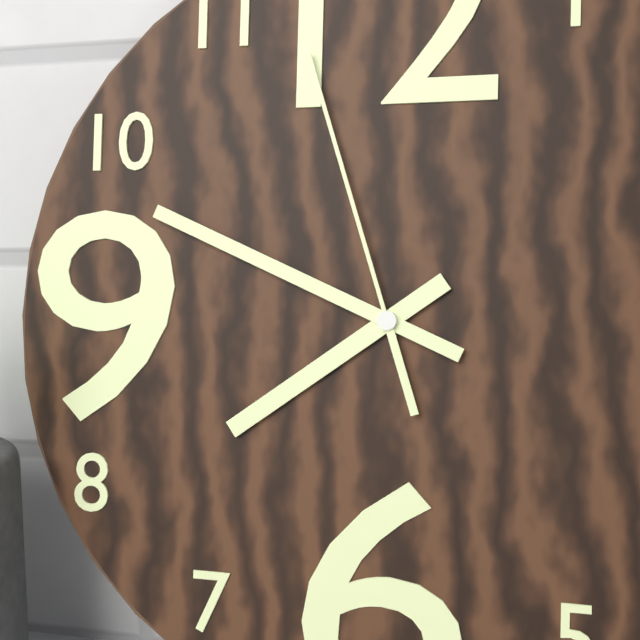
7,49,57
